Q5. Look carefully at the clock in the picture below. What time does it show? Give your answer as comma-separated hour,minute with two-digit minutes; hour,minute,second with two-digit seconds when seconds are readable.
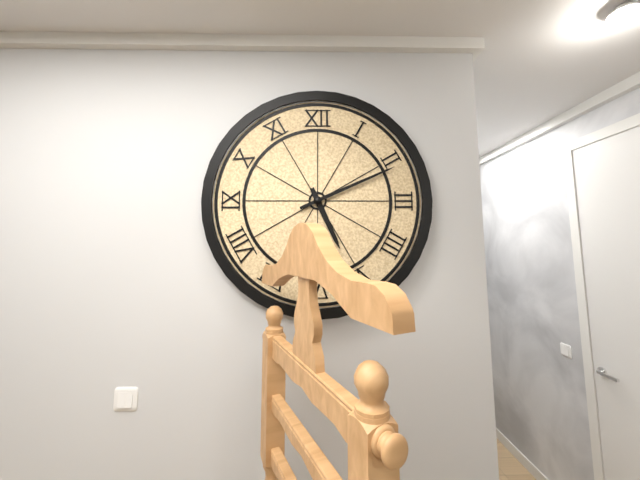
5,11
